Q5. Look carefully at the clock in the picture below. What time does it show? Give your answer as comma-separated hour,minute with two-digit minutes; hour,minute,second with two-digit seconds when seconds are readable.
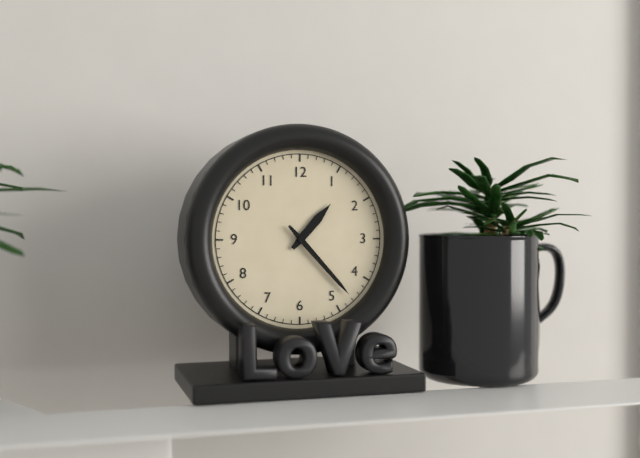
1,23
